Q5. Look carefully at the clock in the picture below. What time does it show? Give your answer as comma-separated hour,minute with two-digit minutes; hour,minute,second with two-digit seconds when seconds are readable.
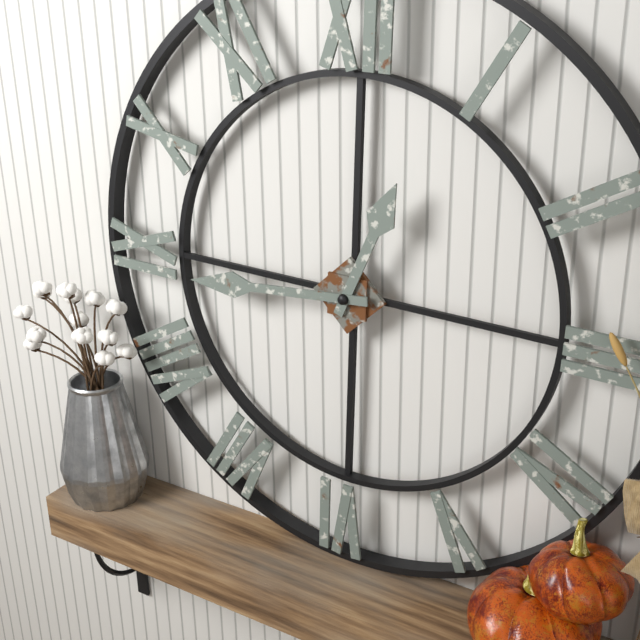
12,44
